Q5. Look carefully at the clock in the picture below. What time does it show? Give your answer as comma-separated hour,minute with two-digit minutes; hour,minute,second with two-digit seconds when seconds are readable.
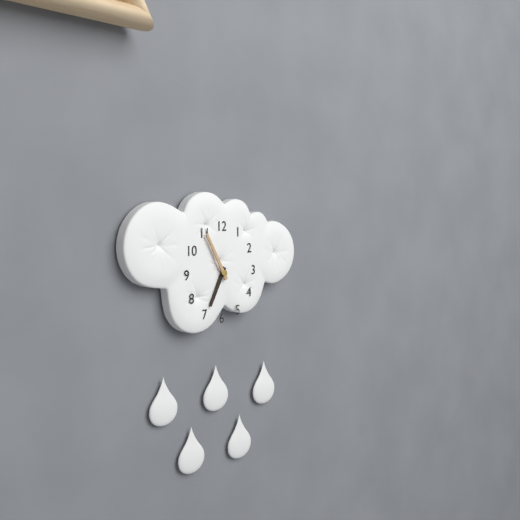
6,55
